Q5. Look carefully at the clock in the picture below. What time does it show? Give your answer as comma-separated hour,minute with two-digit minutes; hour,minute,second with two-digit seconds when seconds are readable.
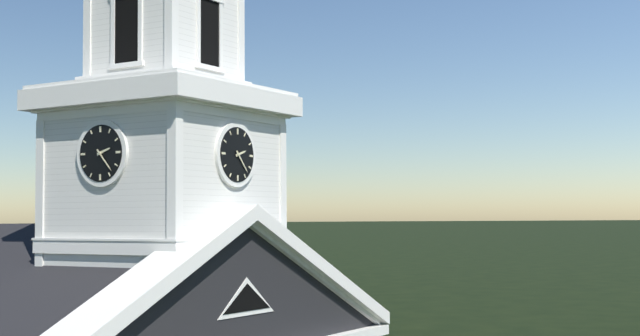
2,23
